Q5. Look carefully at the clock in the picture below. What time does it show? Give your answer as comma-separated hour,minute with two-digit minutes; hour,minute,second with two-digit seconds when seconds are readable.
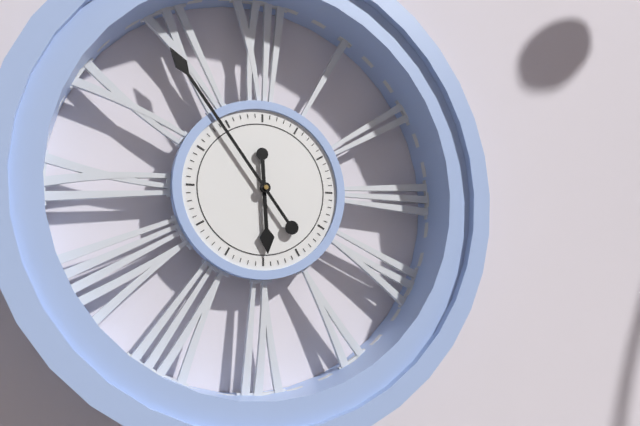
5,54
